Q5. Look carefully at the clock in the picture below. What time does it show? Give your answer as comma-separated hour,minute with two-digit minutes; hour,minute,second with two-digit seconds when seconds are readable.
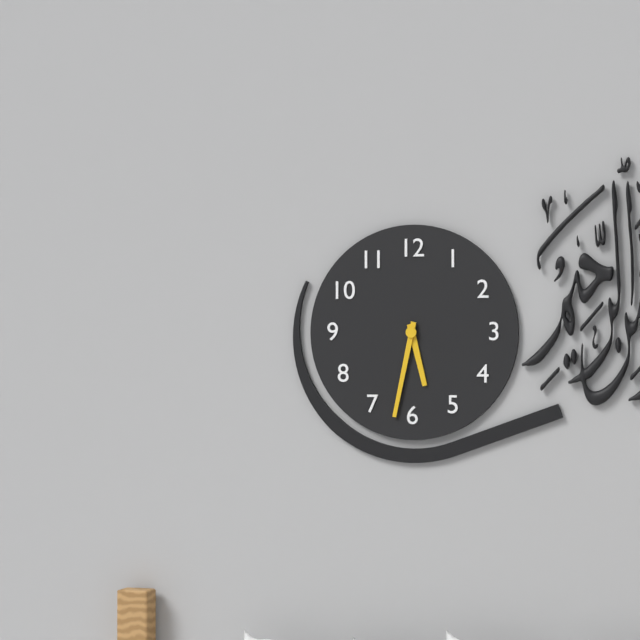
5,32
